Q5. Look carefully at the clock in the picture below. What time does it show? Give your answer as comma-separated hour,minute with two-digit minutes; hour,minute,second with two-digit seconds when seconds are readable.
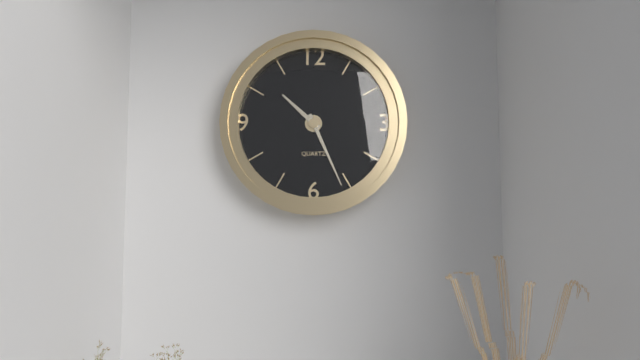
10,26
